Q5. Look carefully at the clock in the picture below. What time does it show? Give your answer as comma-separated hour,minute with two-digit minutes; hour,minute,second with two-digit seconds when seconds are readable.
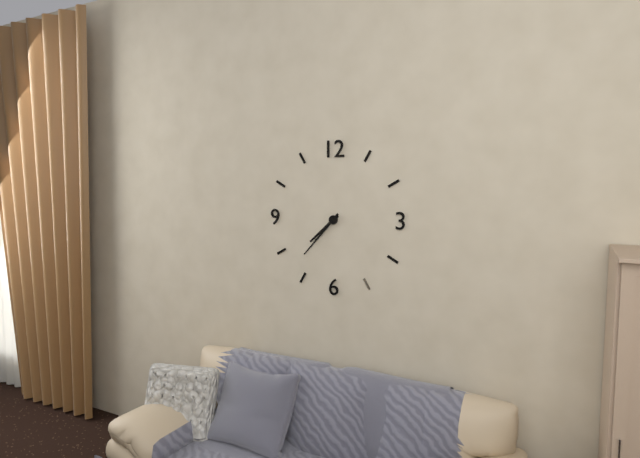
7,37
